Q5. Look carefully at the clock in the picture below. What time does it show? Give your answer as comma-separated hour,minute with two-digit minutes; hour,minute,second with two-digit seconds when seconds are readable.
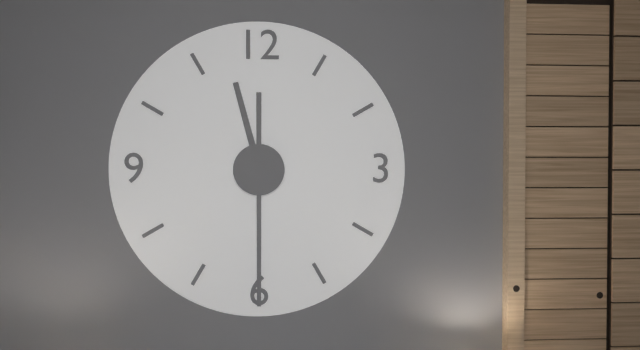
11,30
